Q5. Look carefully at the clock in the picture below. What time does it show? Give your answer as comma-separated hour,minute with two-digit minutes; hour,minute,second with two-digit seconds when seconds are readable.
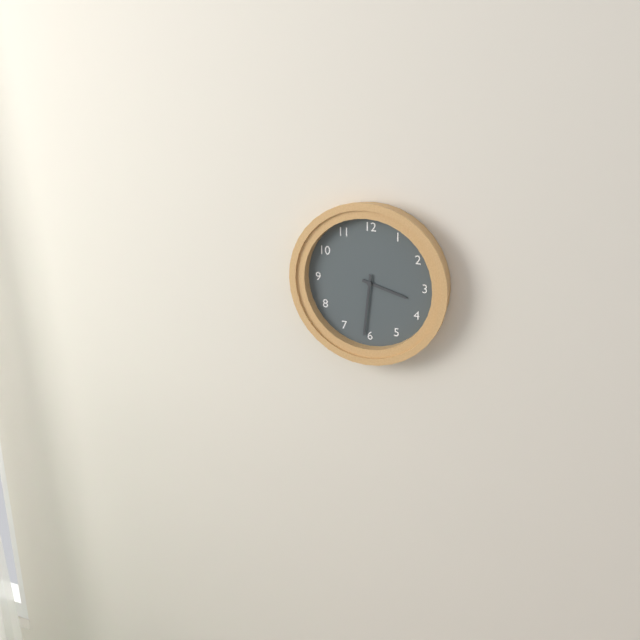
3,31
